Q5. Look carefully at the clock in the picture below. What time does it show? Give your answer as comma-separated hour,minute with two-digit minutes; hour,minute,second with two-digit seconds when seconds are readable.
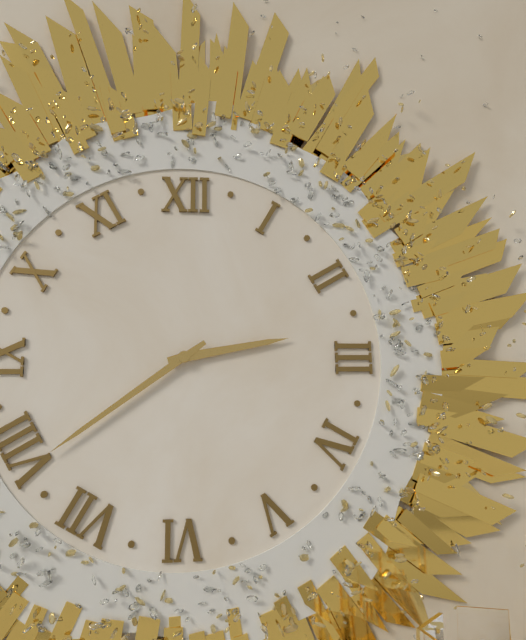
2,39
